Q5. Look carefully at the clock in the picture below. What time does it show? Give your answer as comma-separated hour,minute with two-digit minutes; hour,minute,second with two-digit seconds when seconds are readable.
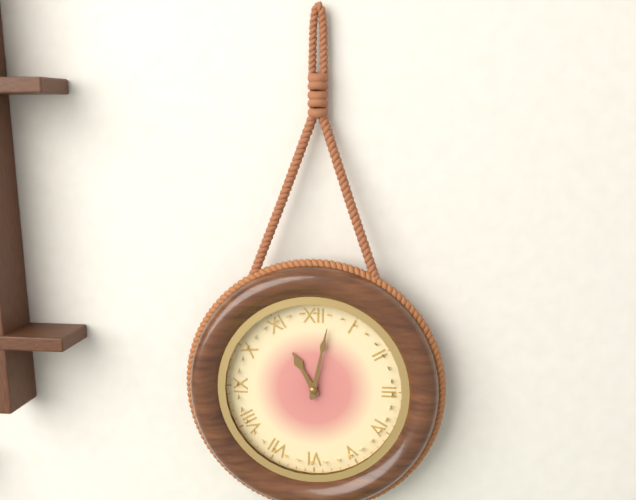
11,02
